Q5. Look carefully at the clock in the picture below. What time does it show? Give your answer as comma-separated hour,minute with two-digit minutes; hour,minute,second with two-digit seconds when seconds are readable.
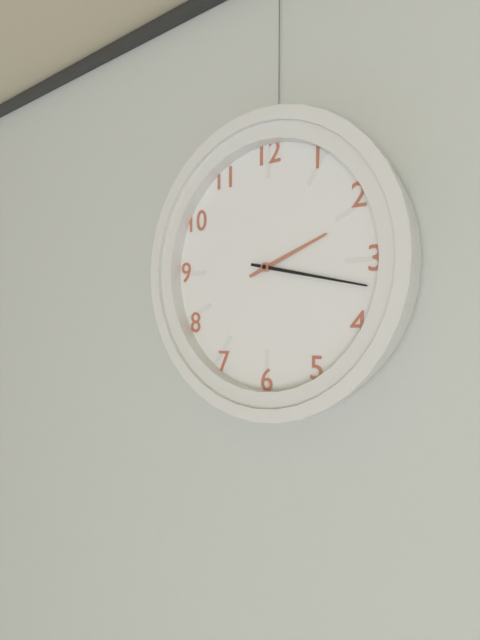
2,17
